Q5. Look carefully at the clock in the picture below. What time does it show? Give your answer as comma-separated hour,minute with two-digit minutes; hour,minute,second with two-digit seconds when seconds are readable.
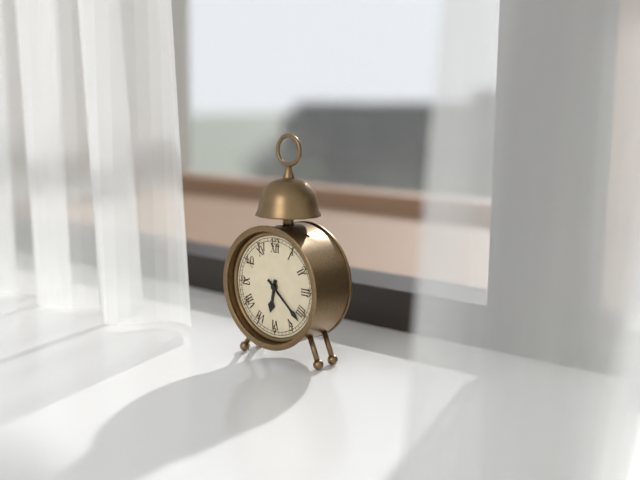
6,22
